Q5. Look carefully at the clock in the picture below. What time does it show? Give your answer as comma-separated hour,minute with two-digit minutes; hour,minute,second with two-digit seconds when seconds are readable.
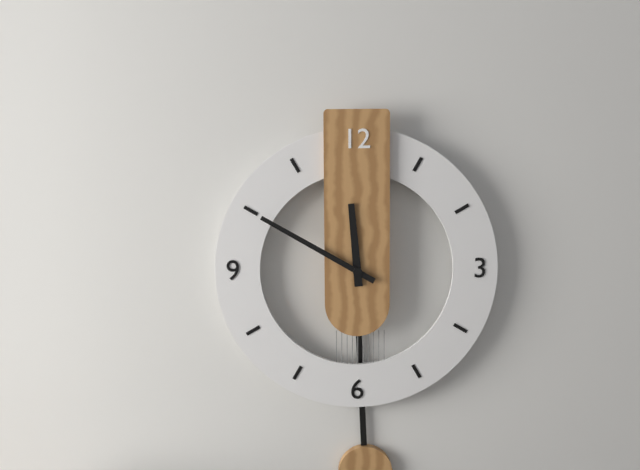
11,50
